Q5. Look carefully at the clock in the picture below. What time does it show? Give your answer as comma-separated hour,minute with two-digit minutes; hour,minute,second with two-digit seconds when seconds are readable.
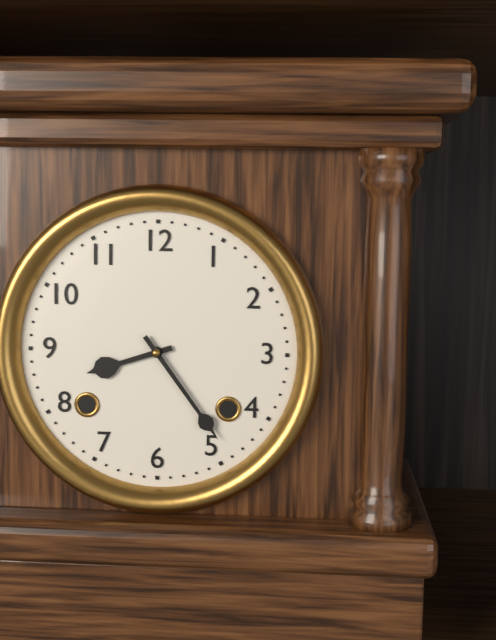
8,24
